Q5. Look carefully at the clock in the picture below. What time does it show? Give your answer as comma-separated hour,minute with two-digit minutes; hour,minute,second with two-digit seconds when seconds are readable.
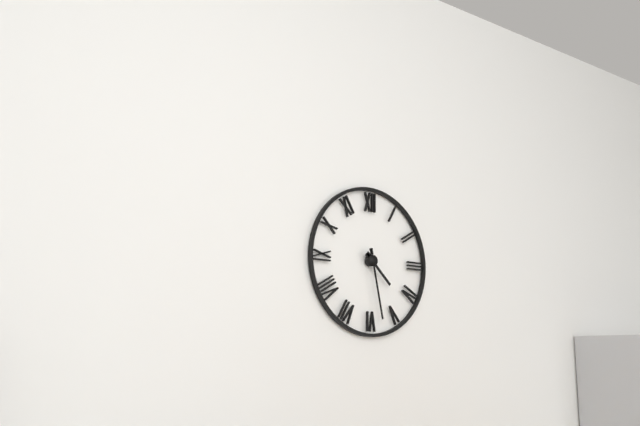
4,28
